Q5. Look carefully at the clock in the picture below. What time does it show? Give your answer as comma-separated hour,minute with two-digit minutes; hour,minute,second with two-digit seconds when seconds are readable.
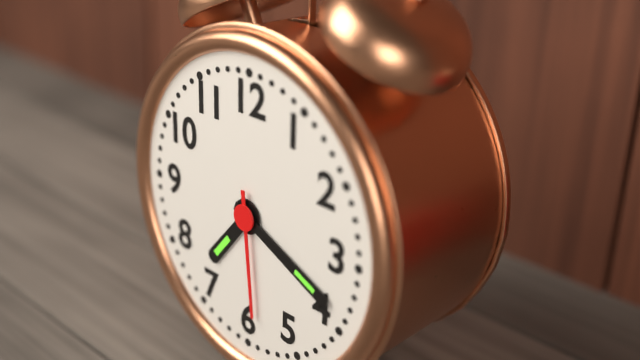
7,19,29
